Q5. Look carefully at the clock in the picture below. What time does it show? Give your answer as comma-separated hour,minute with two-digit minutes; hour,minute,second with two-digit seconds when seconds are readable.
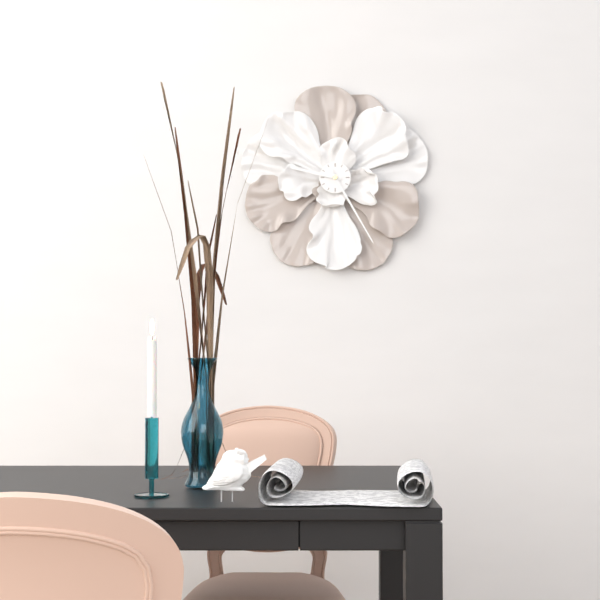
9,25
